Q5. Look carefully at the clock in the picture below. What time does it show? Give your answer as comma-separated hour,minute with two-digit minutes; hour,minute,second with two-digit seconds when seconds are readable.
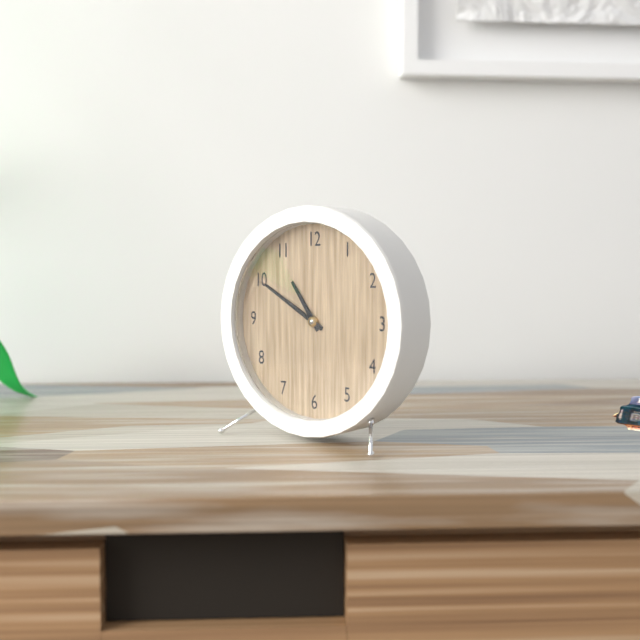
10,50
